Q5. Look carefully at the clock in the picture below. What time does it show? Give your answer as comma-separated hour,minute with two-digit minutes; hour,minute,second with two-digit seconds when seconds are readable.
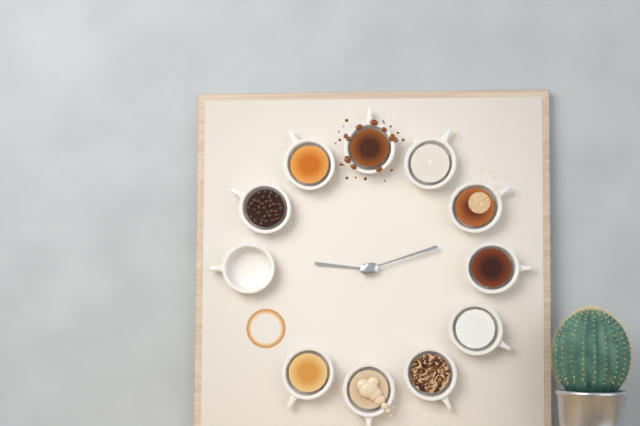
9,12
